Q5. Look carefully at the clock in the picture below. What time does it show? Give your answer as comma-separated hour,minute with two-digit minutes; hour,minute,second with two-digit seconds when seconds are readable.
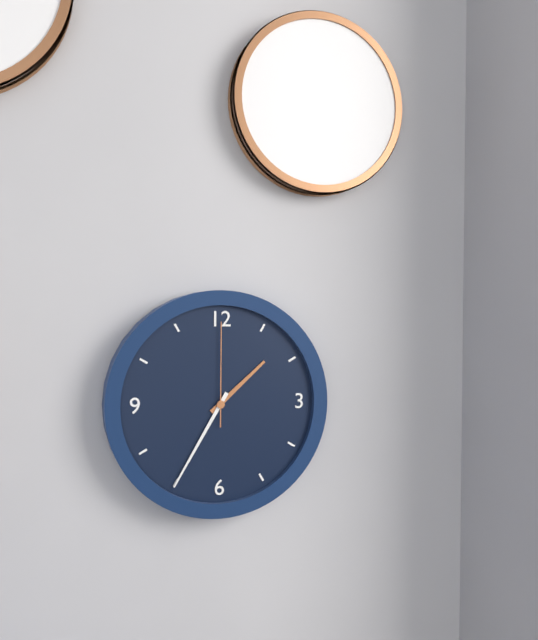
1,35,00
